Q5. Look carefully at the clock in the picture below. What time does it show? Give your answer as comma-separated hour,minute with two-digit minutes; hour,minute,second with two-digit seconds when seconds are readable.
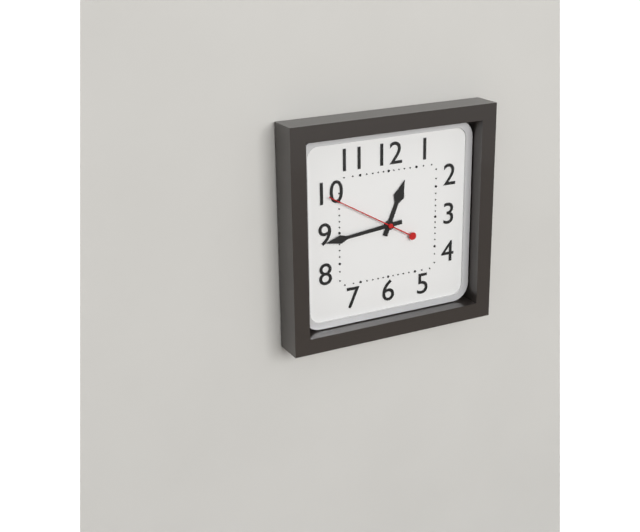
12,44,50
